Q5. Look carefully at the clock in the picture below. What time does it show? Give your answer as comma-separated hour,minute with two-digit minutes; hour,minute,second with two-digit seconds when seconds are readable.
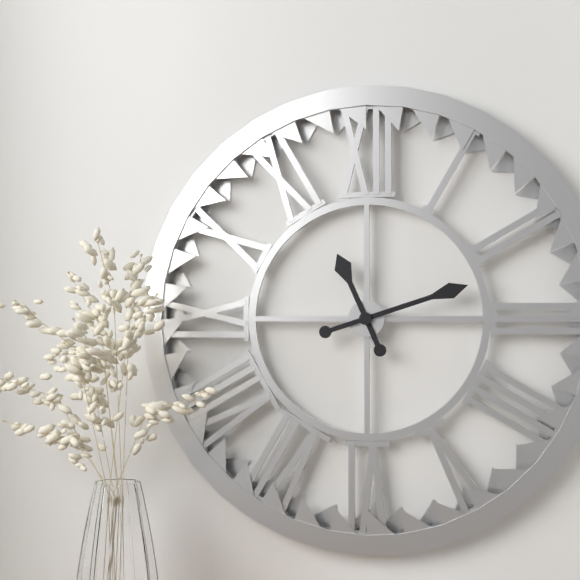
11,12
